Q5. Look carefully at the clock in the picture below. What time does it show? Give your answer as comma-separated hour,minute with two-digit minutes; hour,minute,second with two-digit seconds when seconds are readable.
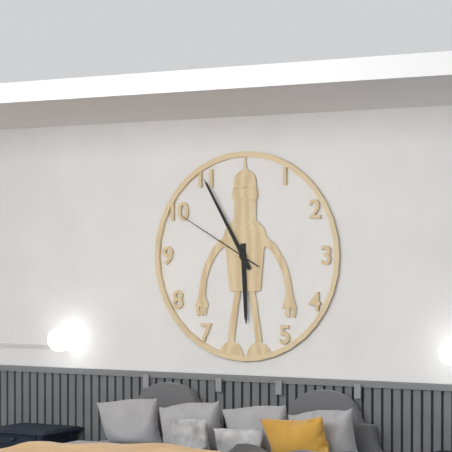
5,55,50
